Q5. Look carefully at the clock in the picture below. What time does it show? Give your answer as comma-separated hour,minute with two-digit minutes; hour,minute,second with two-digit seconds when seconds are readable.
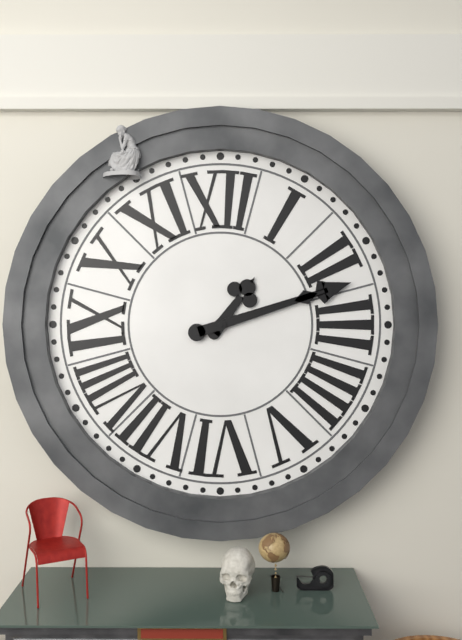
1,12
